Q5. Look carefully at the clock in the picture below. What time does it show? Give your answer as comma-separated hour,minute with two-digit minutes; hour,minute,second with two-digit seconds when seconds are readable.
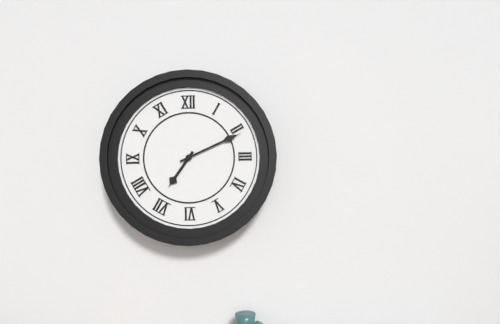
7,11
